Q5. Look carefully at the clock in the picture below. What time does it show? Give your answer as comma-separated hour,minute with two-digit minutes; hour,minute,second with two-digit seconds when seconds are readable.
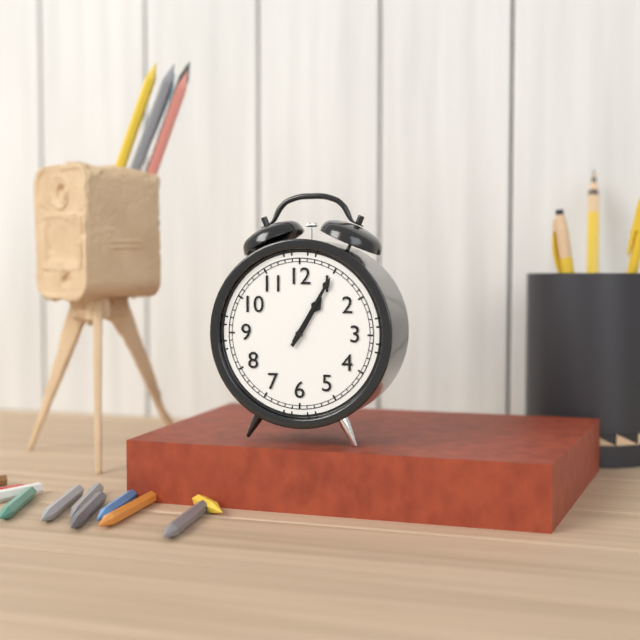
1,05
